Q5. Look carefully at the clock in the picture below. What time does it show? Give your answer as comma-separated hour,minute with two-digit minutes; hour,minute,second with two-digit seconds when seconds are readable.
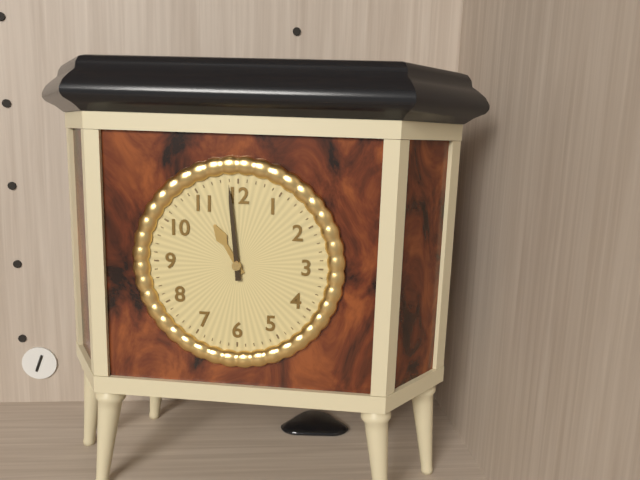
10,59
